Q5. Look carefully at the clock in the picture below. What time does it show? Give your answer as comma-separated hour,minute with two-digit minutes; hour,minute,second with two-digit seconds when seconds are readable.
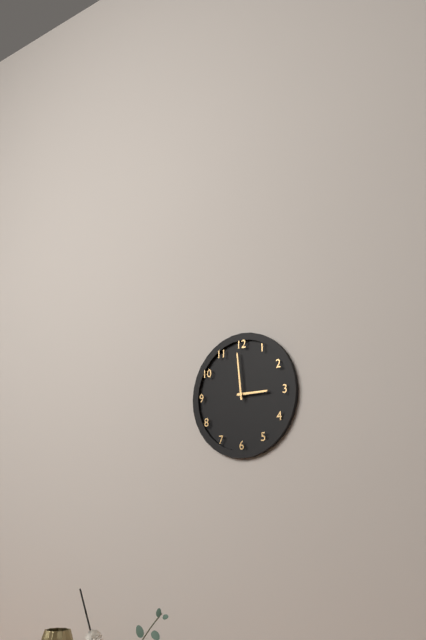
2,59
